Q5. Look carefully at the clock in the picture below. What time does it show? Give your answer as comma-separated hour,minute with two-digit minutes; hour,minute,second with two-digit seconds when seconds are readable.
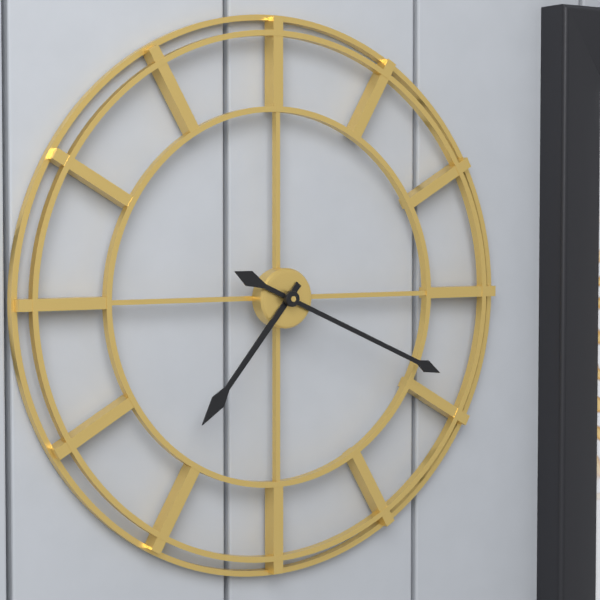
7,19
